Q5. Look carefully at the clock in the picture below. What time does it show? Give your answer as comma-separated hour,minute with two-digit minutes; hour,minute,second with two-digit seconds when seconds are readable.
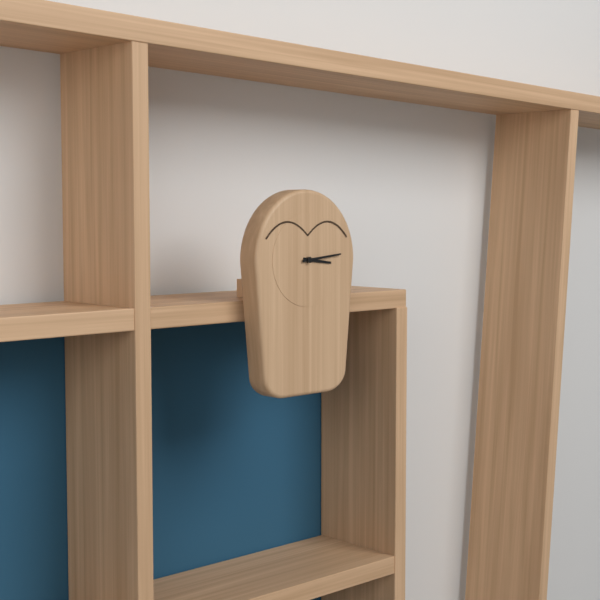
3,14
